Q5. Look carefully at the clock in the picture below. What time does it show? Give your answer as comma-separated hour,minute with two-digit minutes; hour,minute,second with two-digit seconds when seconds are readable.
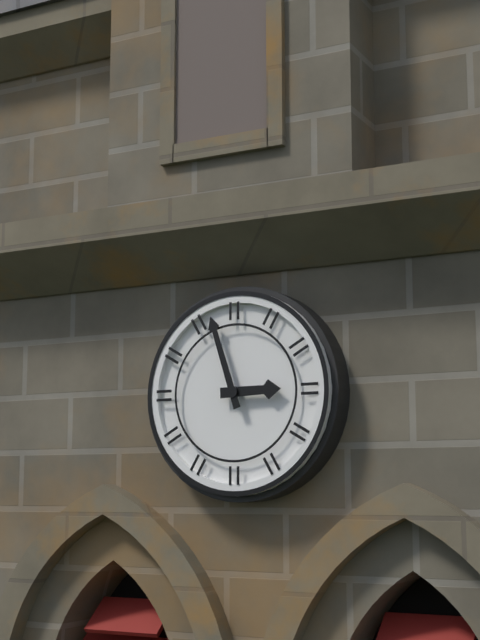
2,57
